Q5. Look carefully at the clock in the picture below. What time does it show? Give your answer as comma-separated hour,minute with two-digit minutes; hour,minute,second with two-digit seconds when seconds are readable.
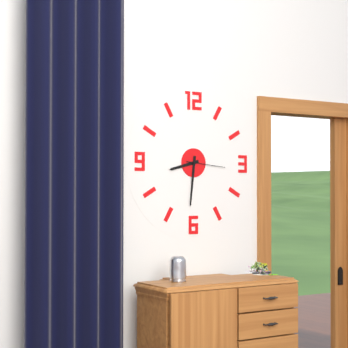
8,31
